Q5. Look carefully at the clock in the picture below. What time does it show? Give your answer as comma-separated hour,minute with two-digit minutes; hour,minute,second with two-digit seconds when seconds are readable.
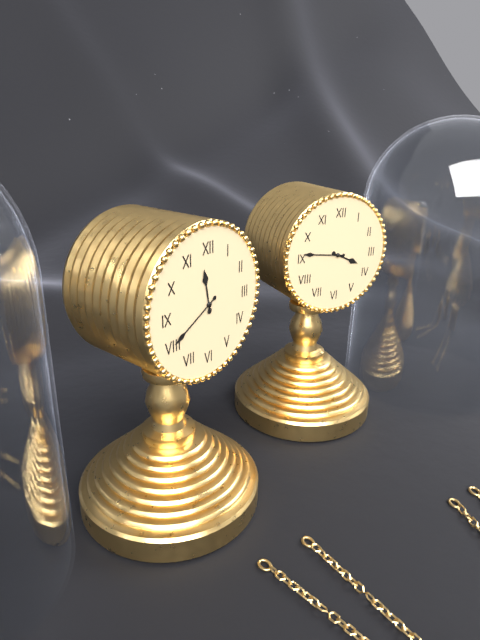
11,40
